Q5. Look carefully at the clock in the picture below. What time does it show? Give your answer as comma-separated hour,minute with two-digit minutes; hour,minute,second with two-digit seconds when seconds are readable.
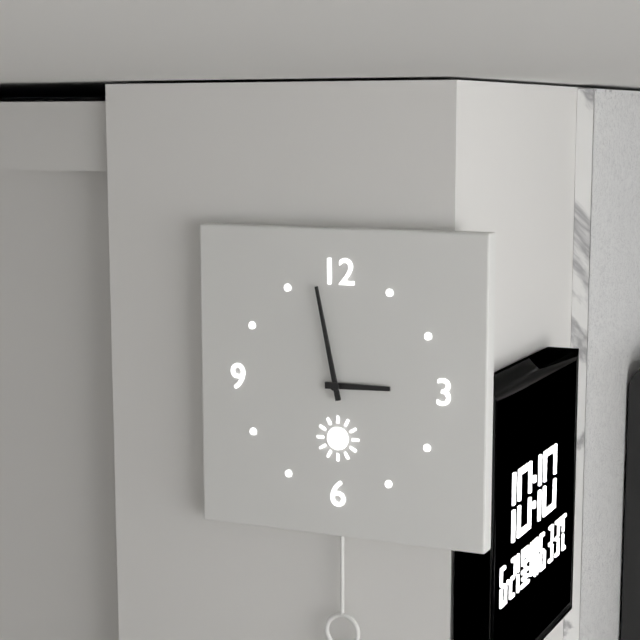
2,58
